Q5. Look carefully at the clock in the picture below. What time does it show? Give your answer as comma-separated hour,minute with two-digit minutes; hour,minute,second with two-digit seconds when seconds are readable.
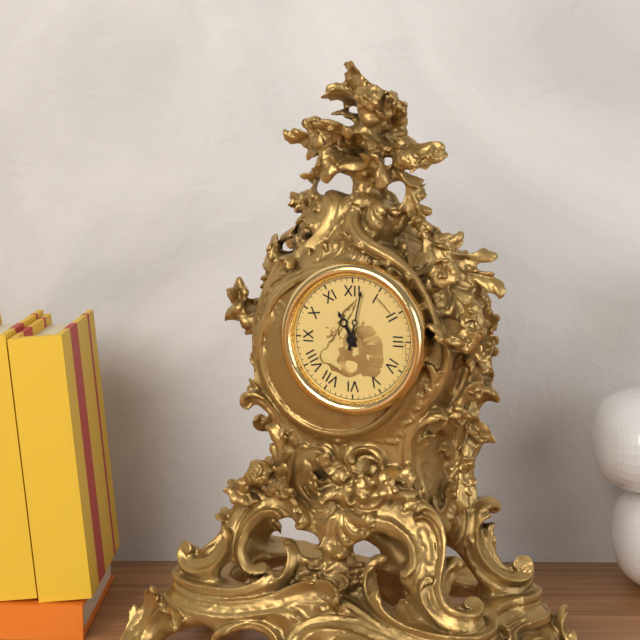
11,02
